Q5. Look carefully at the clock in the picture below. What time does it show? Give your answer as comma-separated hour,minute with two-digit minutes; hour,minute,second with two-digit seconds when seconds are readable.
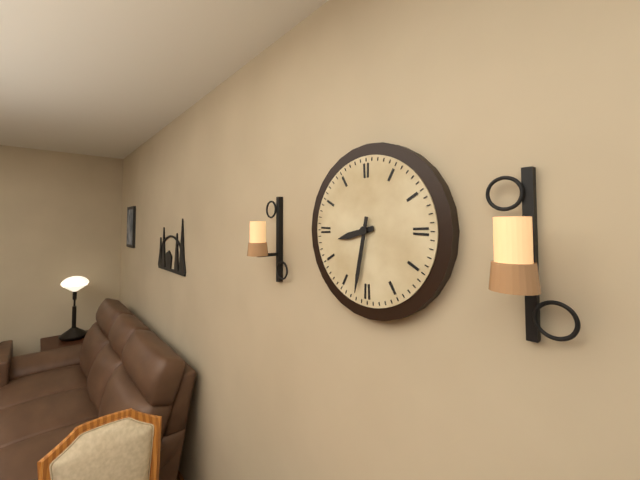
8,32
